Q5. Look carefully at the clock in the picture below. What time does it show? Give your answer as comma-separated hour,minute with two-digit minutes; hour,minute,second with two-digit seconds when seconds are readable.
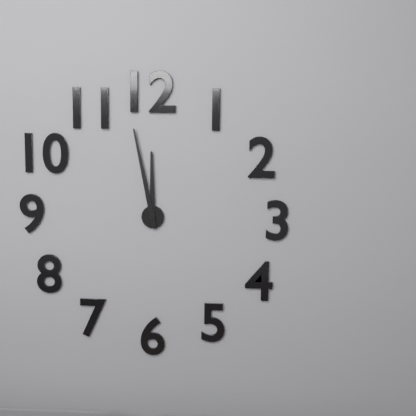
11,58
